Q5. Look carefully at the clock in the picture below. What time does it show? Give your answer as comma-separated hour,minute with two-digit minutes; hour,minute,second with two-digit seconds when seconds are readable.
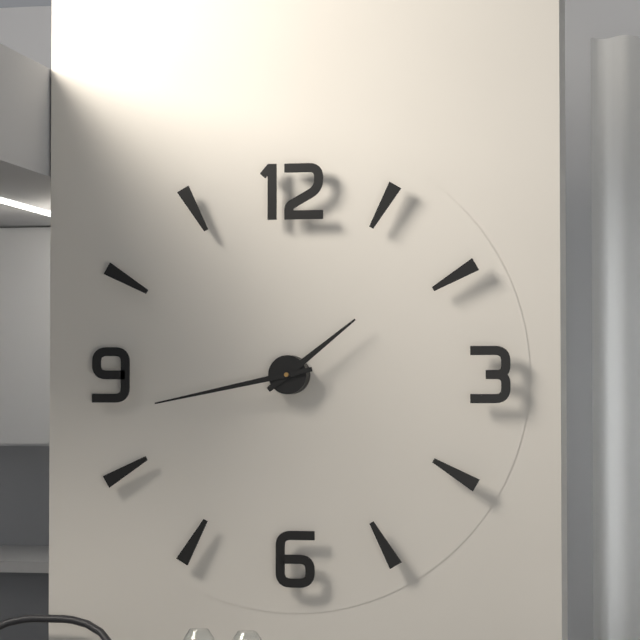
1,43
